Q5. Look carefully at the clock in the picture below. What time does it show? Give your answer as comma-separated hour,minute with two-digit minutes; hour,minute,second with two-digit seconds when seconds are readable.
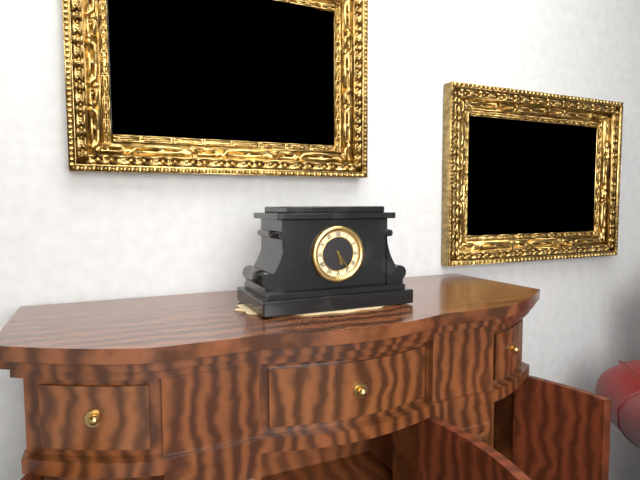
5,24
